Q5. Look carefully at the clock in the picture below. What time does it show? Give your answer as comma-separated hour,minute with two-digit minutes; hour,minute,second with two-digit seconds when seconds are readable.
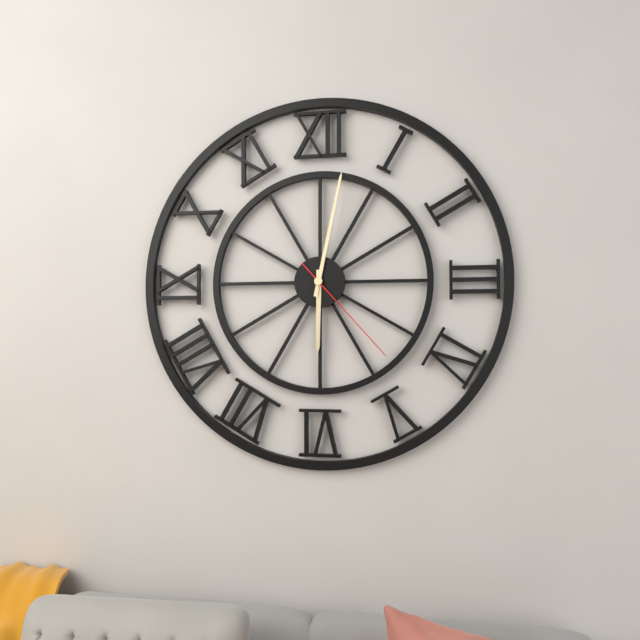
6,02,23
